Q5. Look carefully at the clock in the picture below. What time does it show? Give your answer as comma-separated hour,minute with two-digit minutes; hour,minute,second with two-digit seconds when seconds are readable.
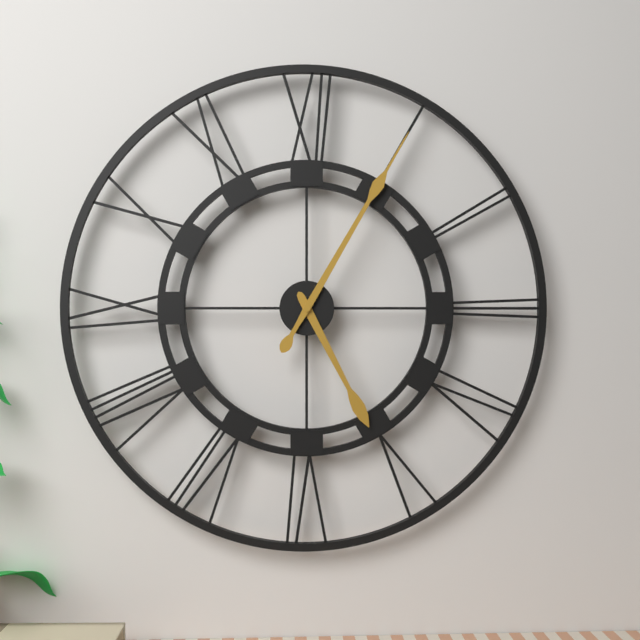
5,05
